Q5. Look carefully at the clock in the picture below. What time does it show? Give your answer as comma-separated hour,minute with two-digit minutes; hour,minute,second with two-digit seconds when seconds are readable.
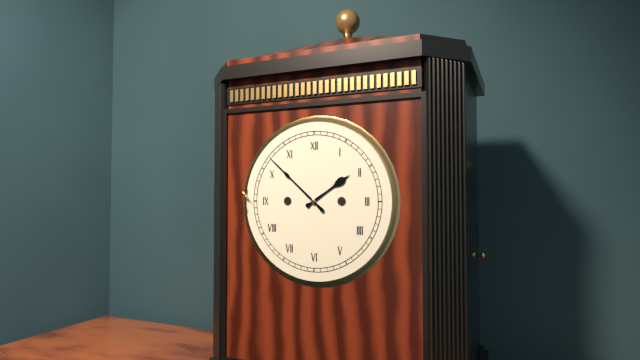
1,52
